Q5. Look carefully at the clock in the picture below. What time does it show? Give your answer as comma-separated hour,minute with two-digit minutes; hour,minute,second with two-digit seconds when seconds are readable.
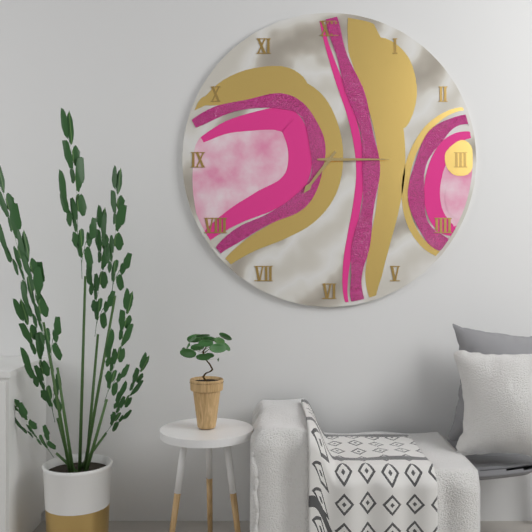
7,15
